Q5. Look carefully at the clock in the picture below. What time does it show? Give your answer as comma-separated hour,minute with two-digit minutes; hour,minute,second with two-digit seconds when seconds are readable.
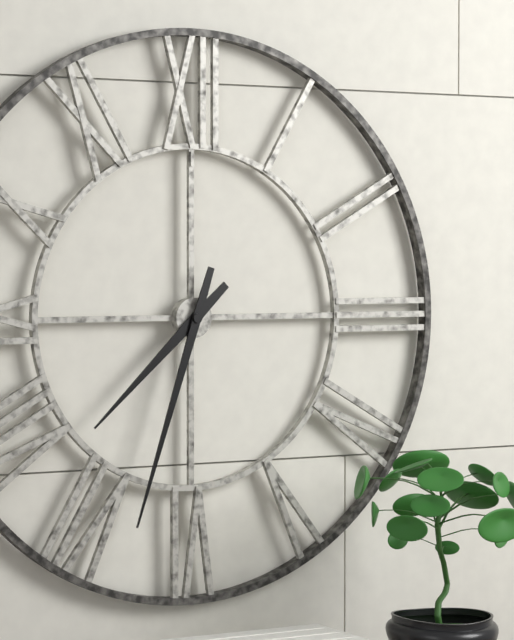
7,33
